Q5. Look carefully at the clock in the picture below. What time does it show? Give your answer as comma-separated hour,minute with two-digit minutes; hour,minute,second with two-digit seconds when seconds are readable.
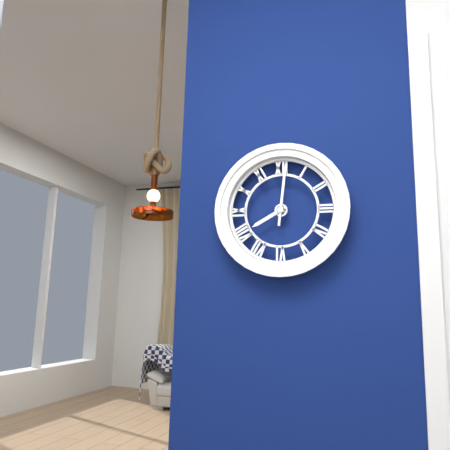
8,01
